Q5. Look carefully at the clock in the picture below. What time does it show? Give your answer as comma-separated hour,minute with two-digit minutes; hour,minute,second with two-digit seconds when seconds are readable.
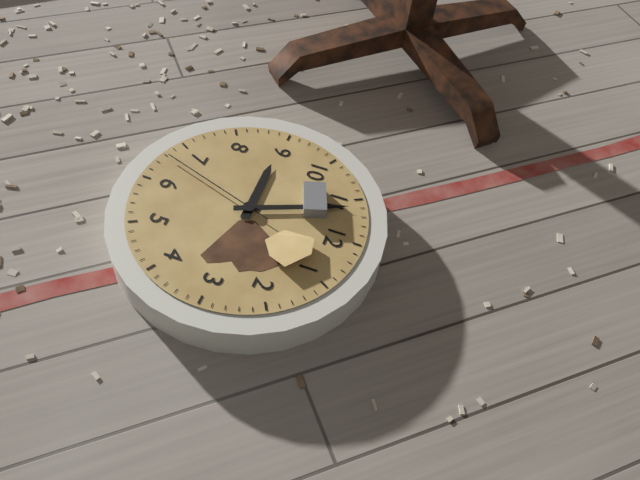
8,56,33
